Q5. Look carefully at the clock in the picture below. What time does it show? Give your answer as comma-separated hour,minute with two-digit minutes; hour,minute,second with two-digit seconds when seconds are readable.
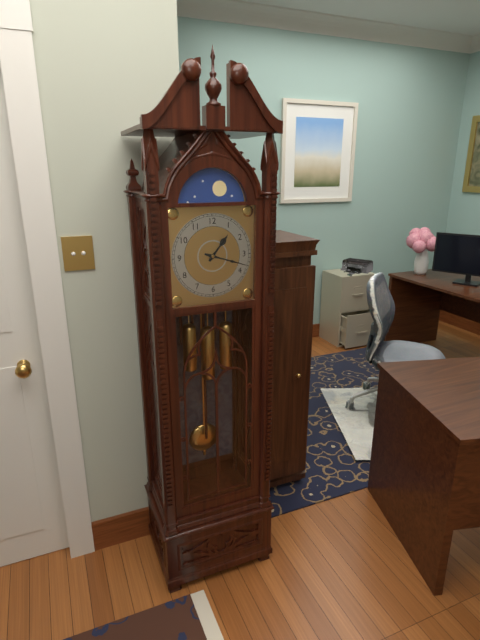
1,18
